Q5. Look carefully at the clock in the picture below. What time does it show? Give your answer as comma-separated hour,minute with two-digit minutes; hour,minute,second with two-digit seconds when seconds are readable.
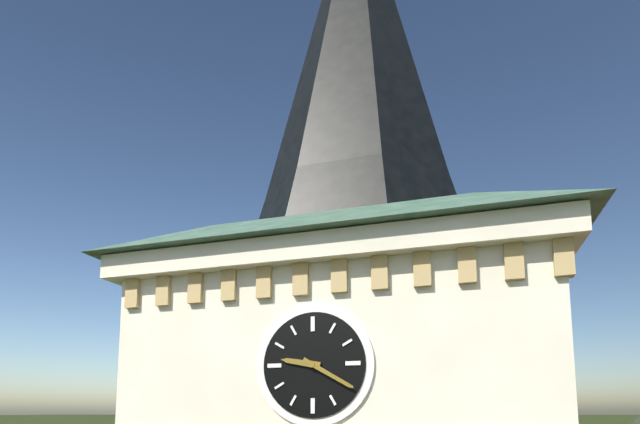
9,20
